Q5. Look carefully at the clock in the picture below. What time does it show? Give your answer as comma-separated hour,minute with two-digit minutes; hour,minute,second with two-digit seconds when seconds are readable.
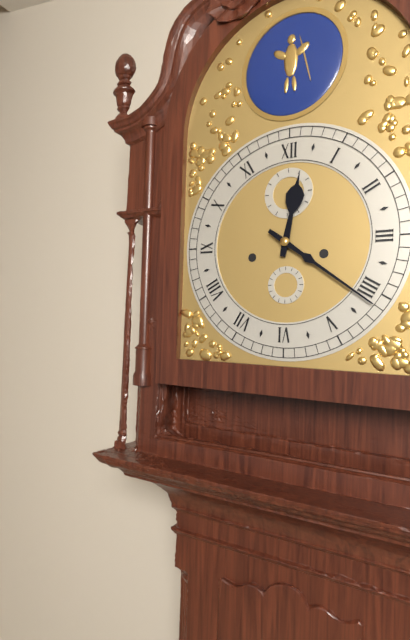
12,21
